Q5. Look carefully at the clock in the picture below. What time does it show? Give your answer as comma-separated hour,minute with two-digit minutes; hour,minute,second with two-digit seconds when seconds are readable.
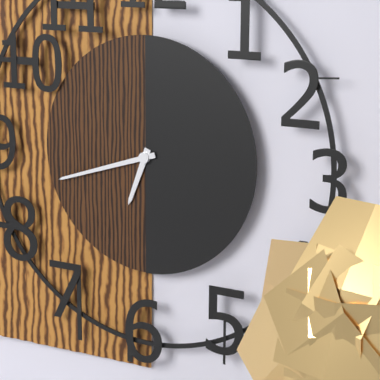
6,42
